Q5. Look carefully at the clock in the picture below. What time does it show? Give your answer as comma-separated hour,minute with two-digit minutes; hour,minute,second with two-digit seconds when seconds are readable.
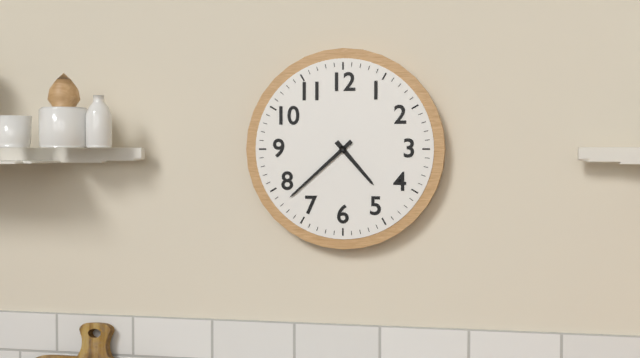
4,38
